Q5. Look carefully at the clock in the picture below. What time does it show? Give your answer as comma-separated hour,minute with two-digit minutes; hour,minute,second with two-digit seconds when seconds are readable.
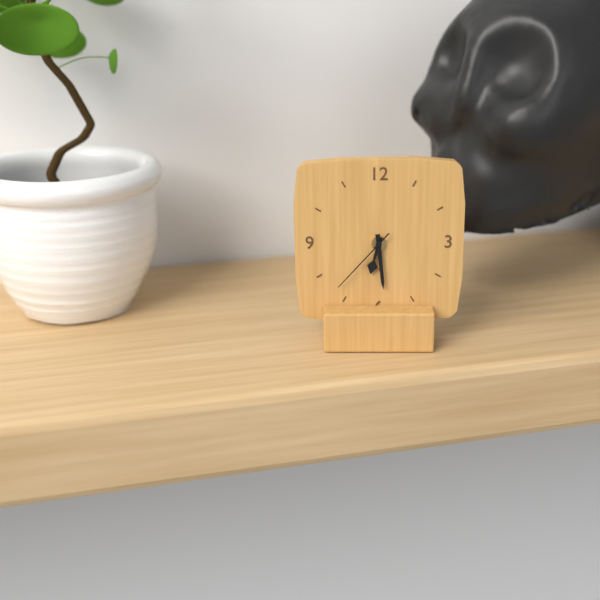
6,29,37
